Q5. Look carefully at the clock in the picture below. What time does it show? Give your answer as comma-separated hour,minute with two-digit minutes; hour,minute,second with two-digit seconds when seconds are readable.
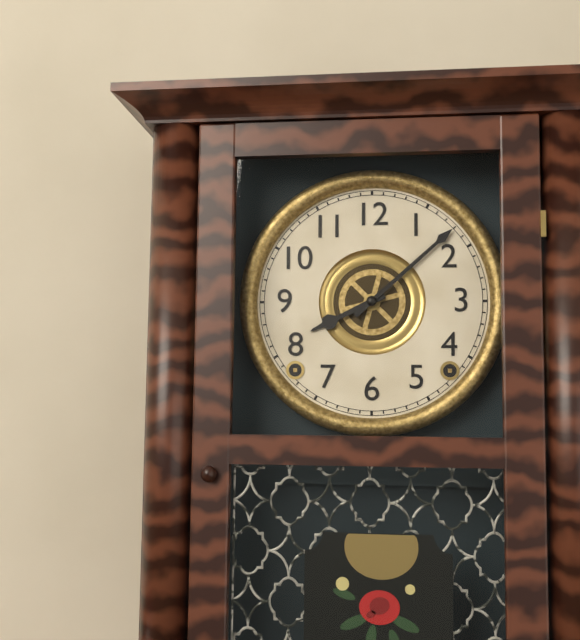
8,08
